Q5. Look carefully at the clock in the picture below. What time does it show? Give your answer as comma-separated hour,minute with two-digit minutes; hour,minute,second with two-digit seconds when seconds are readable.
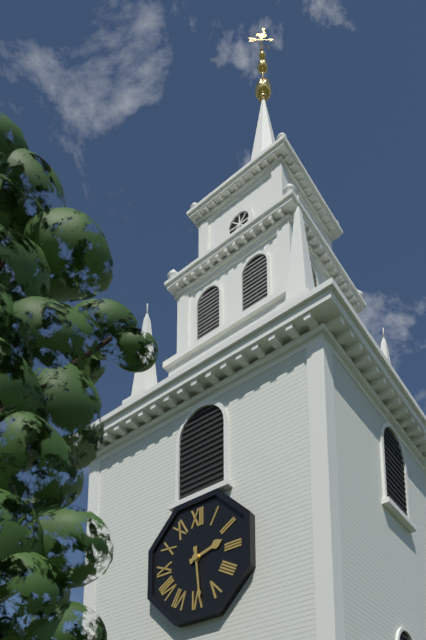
2,29
